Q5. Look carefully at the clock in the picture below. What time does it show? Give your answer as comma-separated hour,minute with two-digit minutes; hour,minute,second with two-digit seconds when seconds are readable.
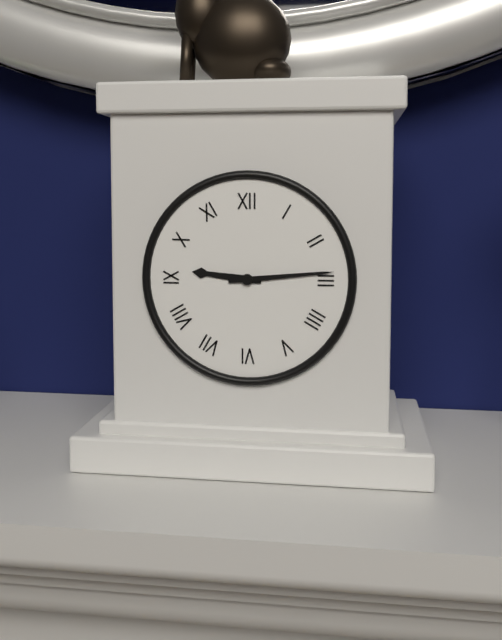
9,14
